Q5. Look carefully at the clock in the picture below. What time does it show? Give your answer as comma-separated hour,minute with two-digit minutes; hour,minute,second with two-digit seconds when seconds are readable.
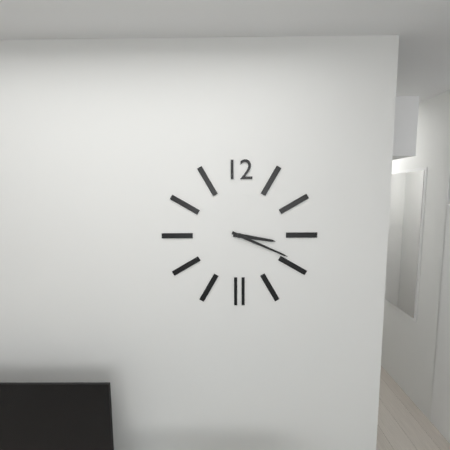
3,19
